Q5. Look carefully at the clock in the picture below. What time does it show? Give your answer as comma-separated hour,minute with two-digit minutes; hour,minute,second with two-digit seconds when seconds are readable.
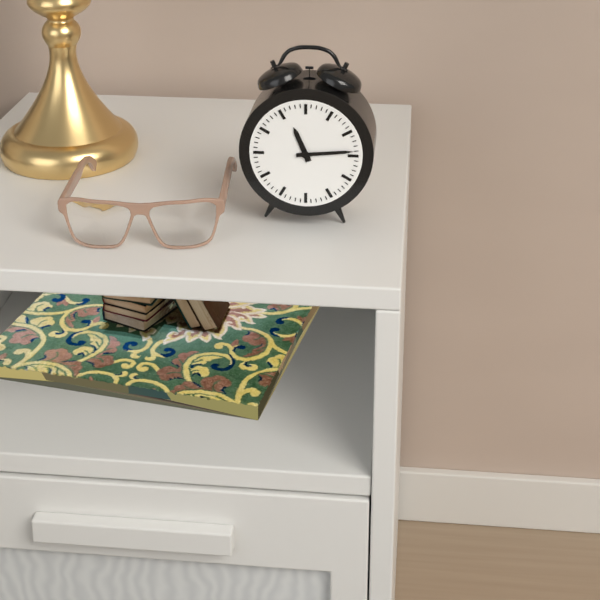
11,14
